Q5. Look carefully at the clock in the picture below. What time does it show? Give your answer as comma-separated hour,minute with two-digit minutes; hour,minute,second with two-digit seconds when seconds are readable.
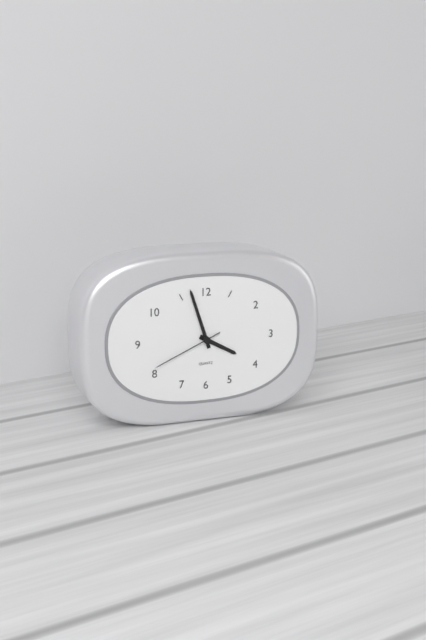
3,57,41
